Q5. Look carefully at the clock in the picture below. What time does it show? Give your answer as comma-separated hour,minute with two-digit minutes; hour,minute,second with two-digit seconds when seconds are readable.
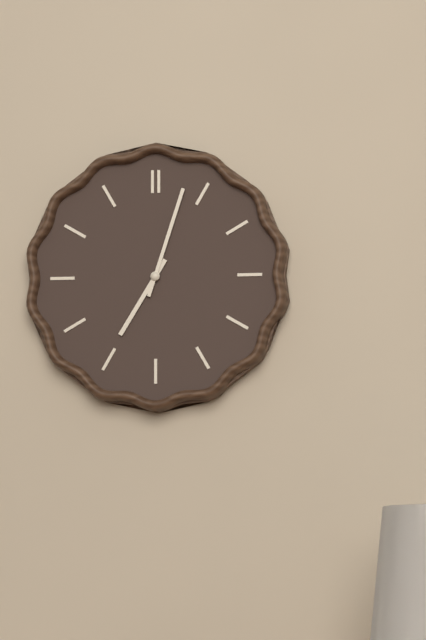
7,03
